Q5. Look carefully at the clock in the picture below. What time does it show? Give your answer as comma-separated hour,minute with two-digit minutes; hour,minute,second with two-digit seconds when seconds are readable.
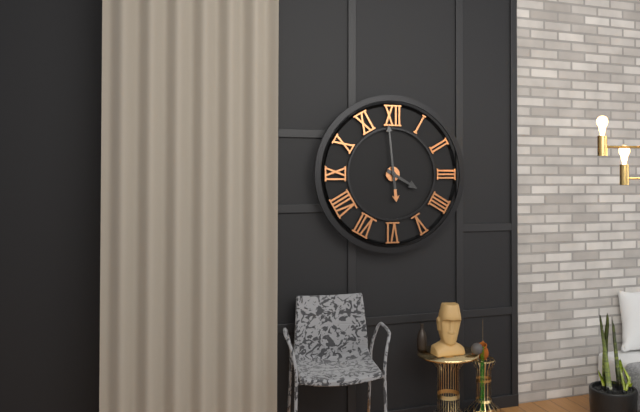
3,59
